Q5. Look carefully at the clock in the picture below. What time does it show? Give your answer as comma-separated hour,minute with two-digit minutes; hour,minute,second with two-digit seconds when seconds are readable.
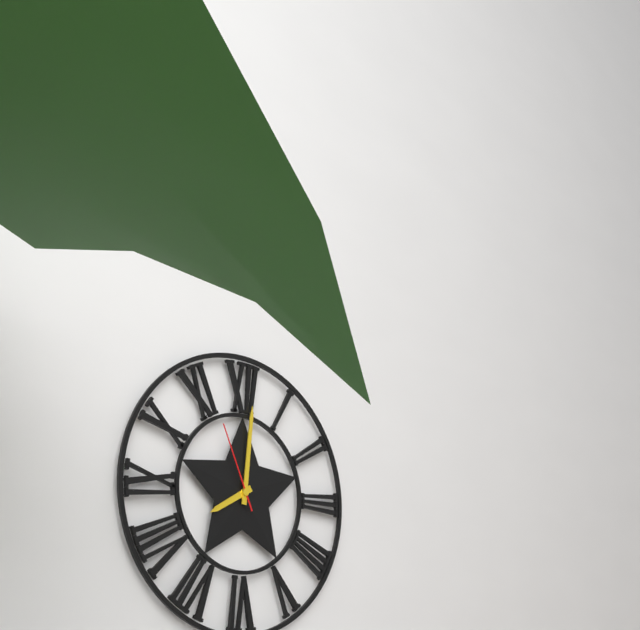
8,01,56
